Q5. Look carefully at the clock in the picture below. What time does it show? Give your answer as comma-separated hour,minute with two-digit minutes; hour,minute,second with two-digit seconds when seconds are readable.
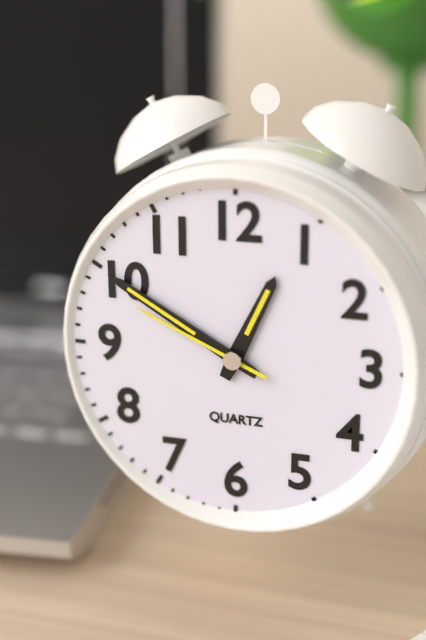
12,50,49
